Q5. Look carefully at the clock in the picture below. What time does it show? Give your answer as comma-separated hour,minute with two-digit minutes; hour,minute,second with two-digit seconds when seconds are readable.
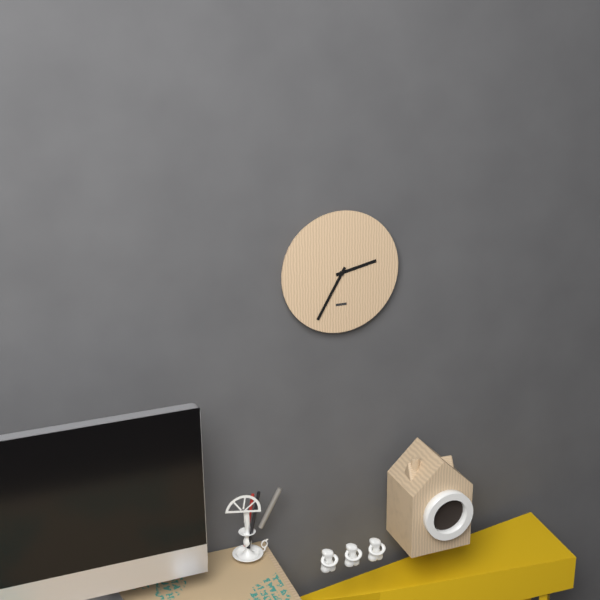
2,35
